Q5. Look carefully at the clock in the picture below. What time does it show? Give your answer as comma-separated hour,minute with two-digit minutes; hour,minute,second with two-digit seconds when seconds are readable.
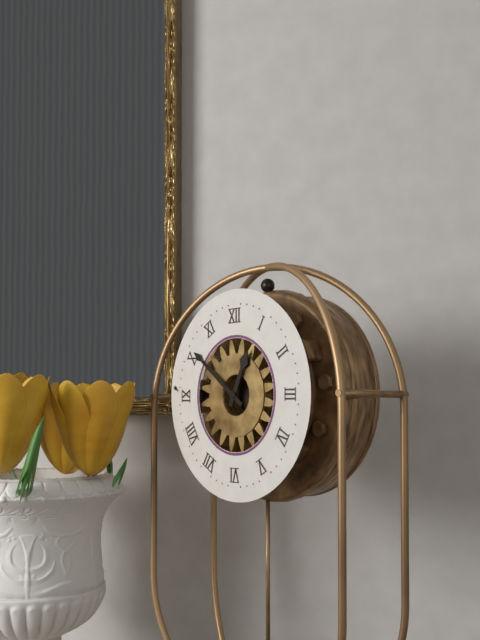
12,51
